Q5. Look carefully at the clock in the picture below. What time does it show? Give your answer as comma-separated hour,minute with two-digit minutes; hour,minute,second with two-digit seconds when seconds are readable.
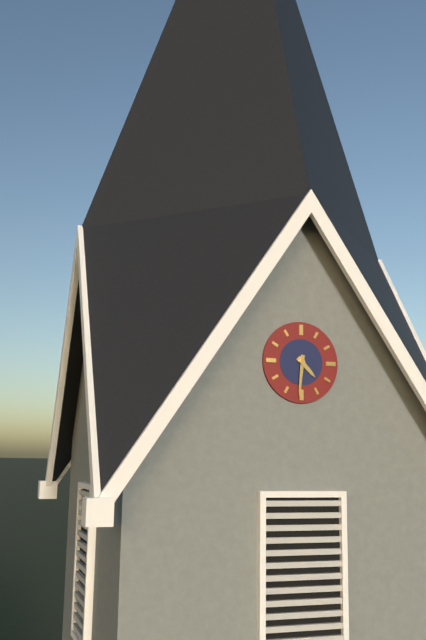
4,31
